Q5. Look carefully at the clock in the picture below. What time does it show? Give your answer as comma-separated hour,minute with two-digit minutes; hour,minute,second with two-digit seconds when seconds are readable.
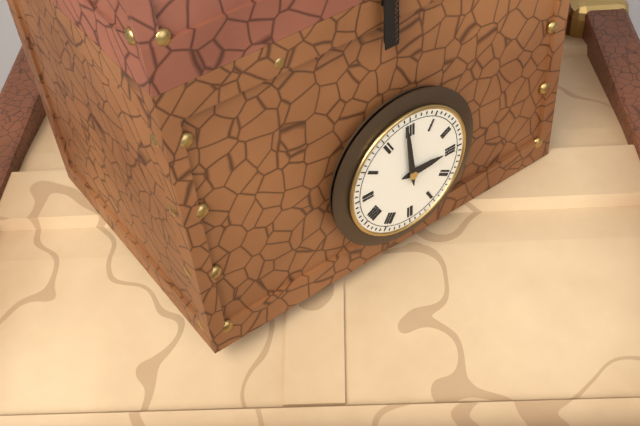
2,59
